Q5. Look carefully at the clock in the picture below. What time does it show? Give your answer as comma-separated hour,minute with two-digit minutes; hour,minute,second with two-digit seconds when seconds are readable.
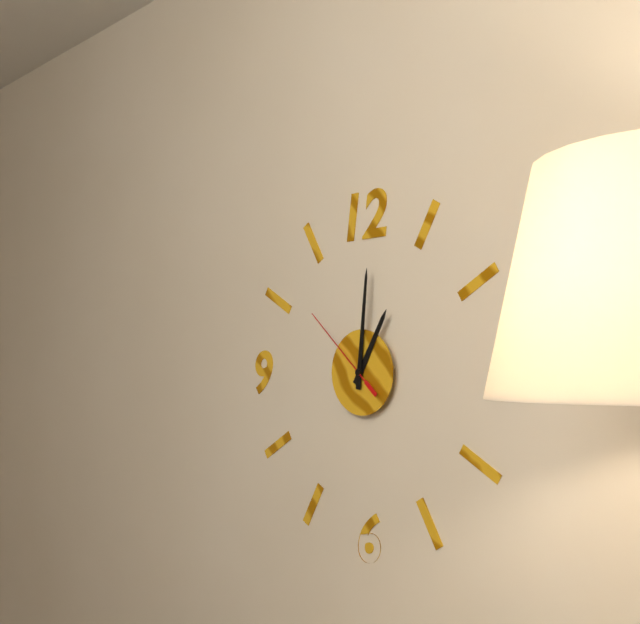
1,01,52
